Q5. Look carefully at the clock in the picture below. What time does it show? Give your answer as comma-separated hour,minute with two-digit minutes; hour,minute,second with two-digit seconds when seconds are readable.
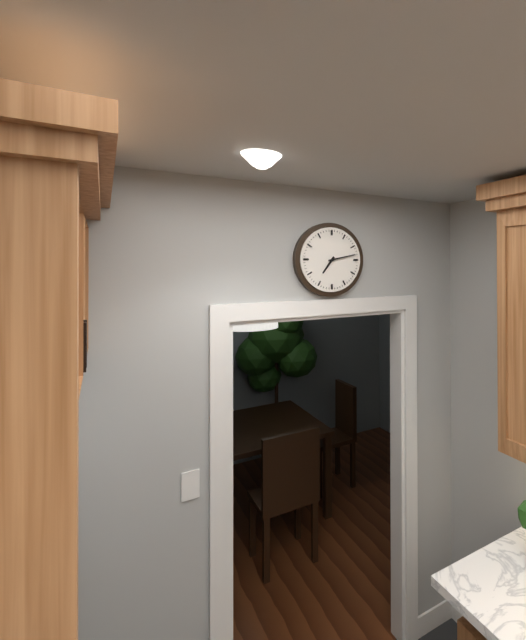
7,13
